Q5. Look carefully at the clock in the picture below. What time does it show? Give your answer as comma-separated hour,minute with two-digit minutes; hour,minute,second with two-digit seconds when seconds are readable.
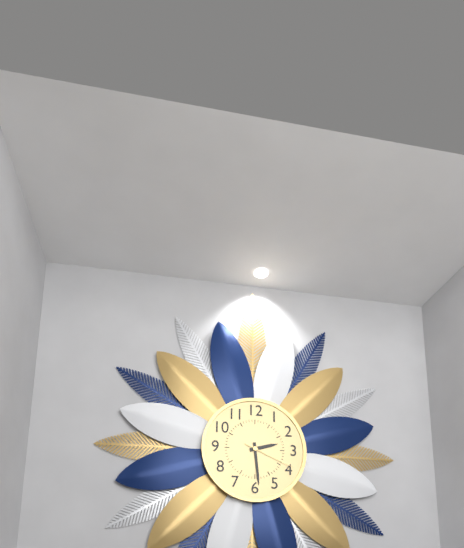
2,29,19
